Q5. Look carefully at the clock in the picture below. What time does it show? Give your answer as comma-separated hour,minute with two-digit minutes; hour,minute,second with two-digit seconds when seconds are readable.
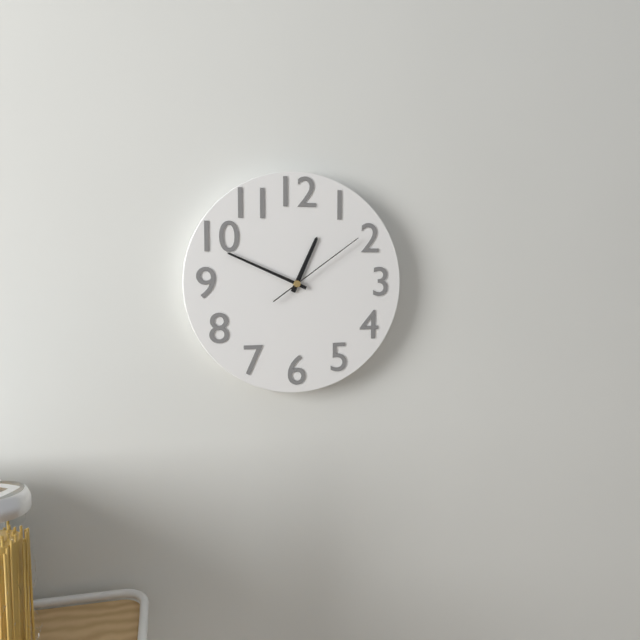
12,49,09
